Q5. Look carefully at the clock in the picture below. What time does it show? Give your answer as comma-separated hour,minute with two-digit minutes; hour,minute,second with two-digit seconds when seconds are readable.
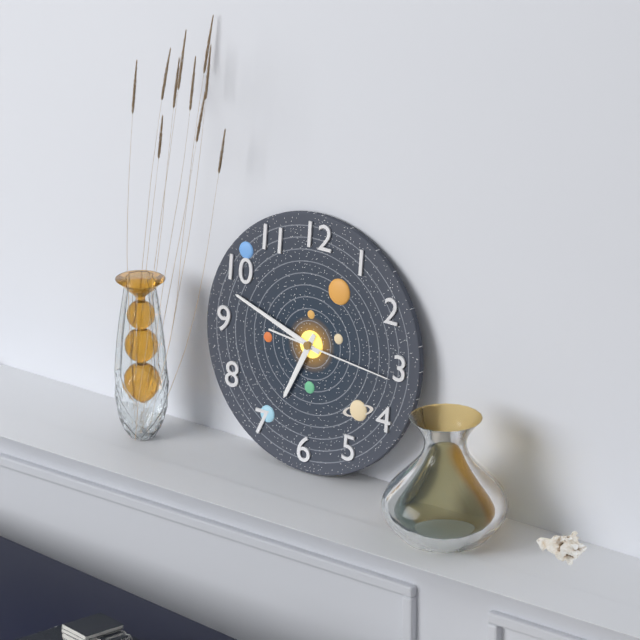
6,48,16
